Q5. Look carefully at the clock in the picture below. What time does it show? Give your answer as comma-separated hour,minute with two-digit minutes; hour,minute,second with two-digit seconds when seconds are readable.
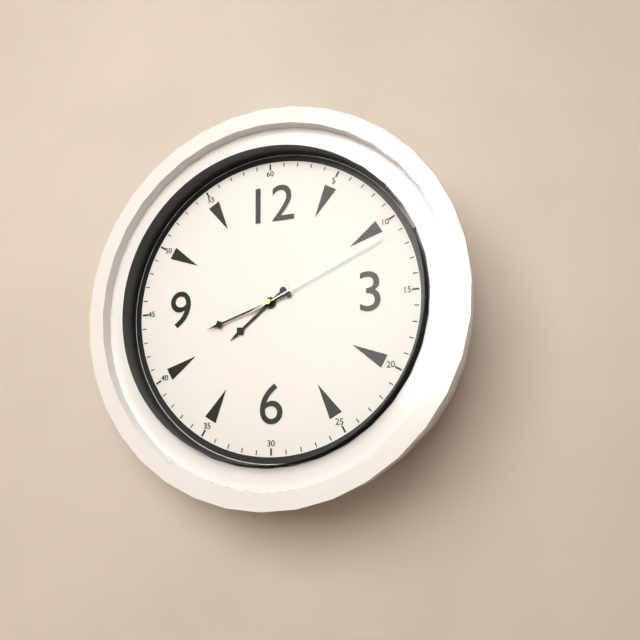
7,42,11
